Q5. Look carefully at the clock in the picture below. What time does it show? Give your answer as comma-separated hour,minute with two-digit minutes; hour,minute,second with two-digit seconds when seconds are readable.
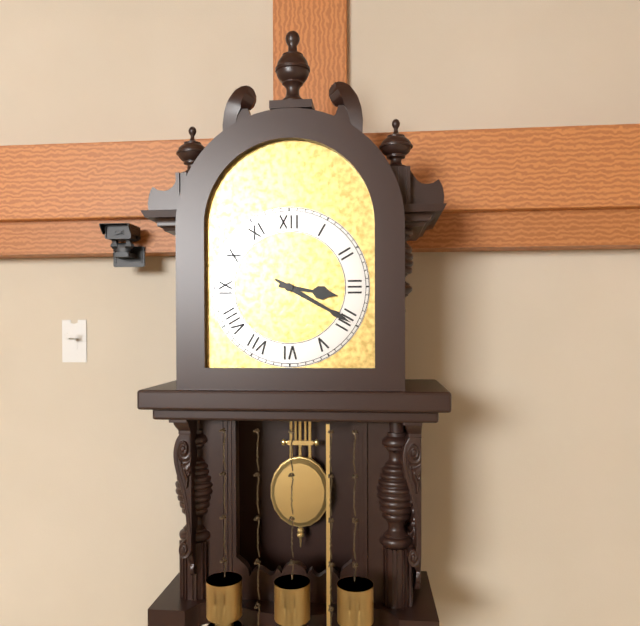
3,20
